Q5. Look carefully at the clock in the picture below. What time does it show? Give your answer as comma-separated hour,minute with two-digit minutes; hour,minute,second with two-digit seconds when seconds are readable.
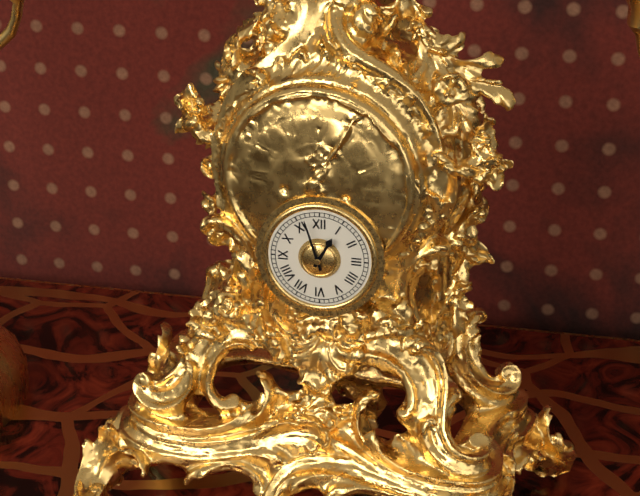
12,57
